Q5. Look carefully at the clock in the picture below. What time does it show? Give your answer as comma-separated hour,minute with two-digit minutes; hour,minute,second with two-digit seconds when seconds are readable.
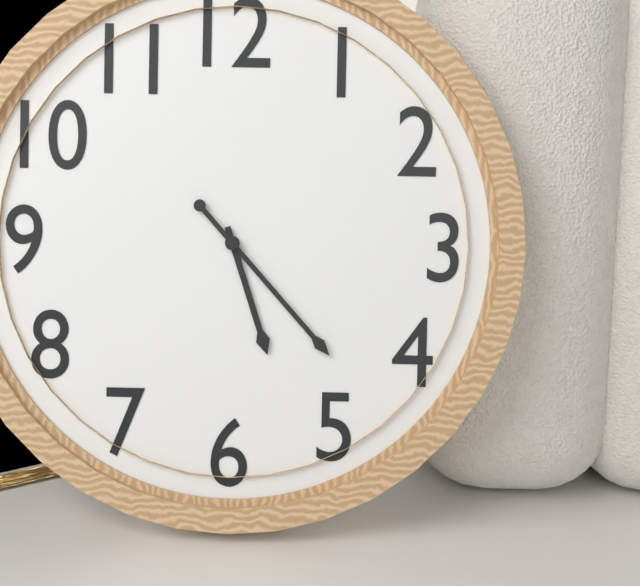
5,23
